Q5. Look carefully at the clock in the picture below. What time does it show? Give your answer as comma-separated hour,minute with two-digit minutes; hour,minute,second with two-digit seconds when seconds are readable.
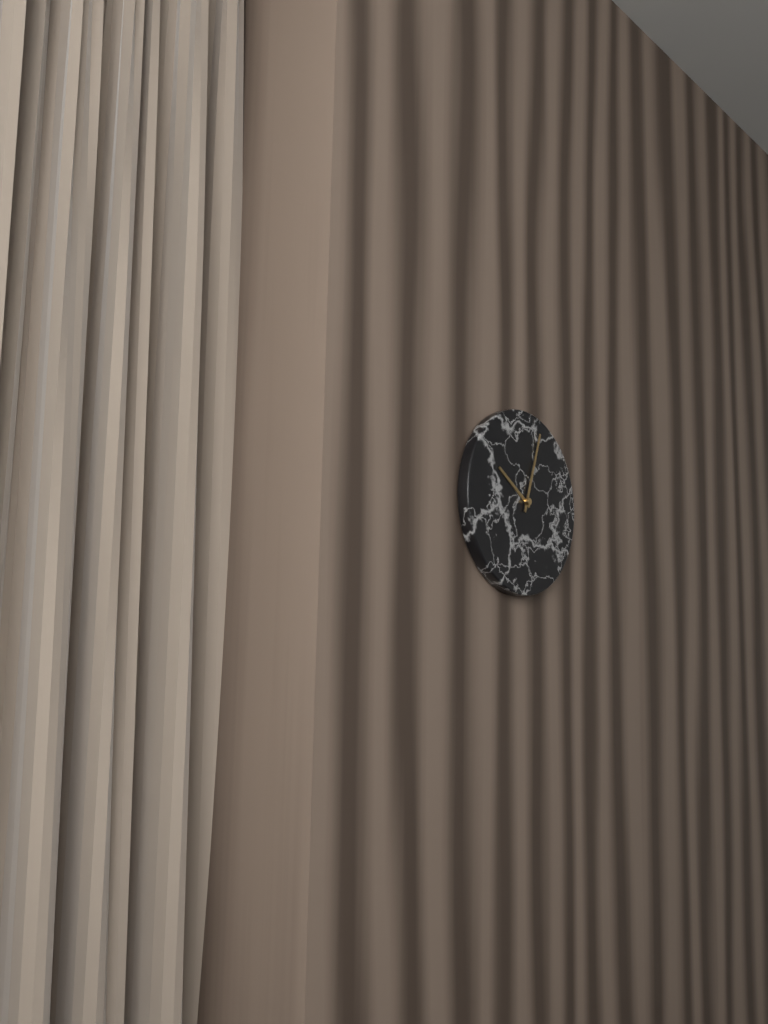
10,03
